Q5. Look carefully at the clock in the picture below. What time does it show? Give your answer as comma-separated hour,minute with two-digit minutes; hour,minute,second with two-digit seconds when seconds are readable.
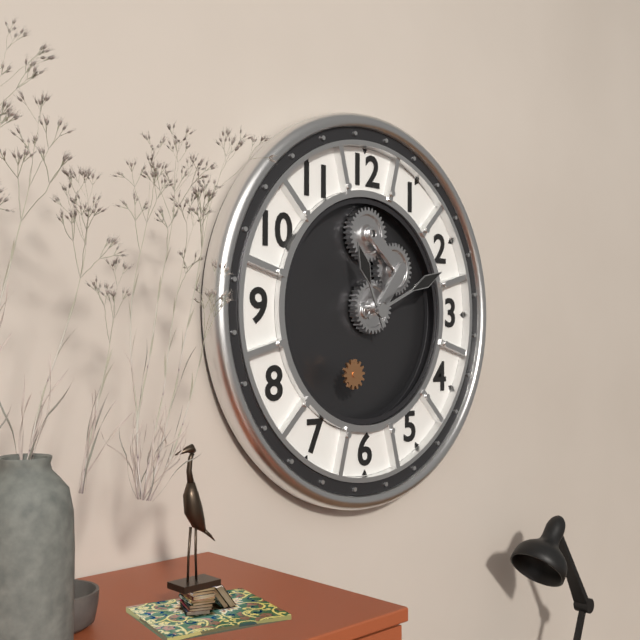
11,11
